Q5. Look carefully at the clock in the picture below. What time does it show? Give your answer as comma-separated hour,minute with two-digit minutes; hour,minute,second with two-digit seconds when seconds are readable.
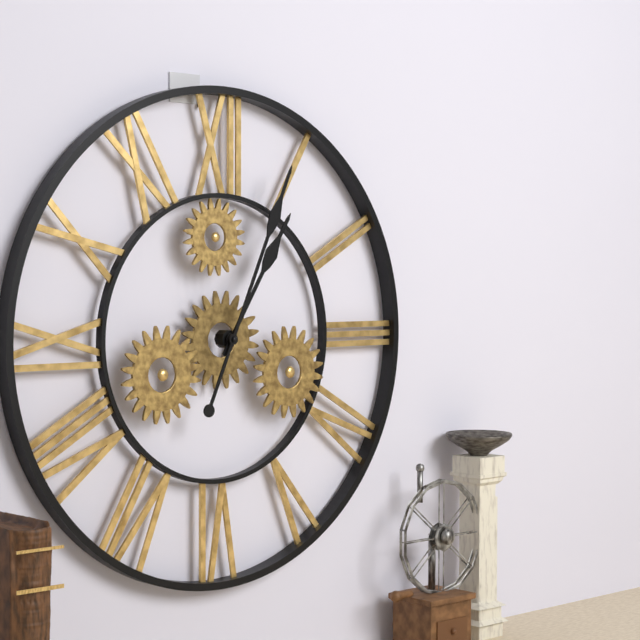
1,04
